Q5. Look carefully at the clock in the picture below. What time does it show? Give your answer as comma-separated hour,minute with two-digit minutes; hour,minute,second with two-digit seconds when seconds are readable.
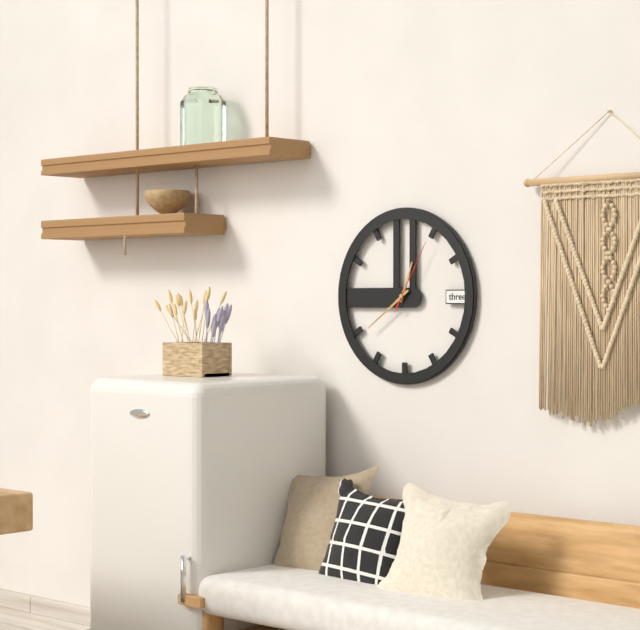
12,39,05
